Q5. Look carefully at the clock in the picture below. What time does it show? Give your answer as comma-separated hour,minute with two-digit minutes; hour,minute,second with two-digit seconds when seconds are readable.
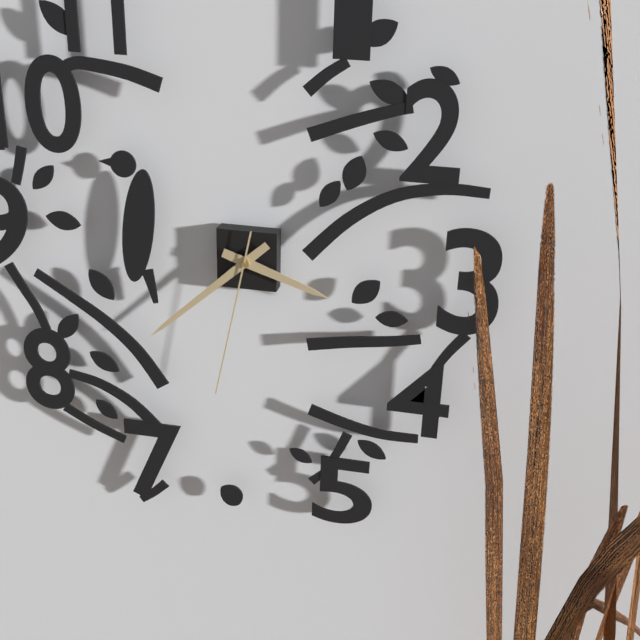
3,38,32
